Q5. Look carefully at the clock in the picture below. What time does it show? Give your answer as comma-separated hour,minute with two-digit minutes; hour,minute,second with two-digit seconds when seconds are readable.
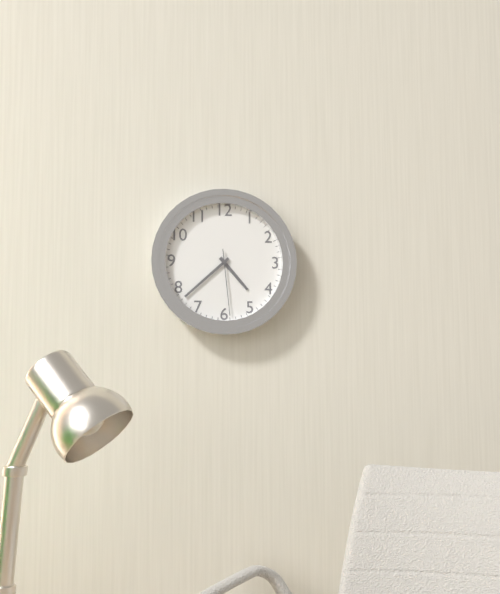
4,38,29
